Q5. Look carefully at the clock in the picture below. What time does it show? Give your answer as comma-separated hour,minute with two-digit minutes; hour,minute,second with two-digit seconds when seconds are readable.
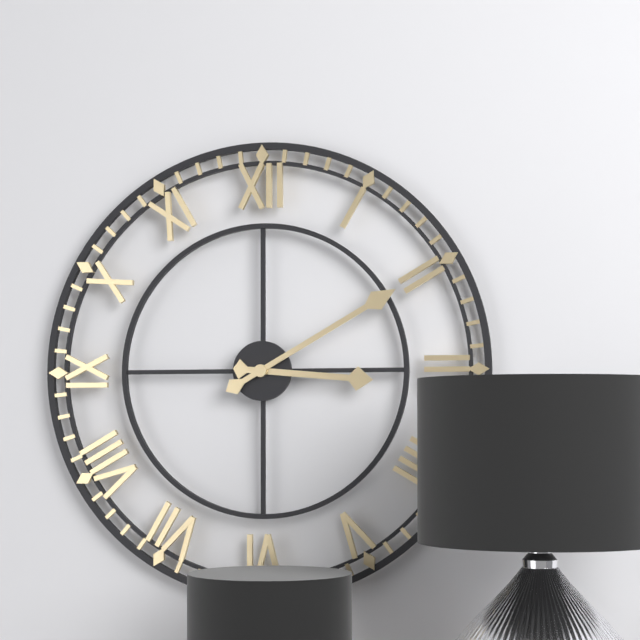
3,10
